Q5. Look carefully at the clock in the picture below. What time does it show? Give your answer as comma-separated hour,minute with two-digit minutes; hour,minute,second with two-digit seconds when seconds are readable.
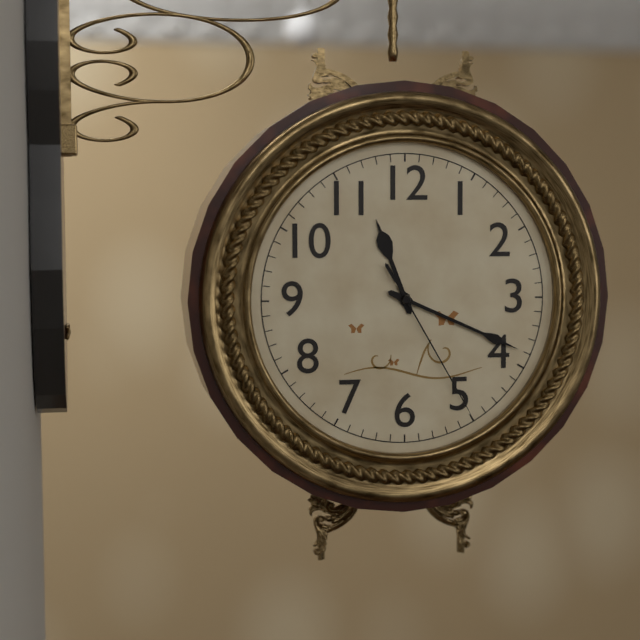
11,19,25
